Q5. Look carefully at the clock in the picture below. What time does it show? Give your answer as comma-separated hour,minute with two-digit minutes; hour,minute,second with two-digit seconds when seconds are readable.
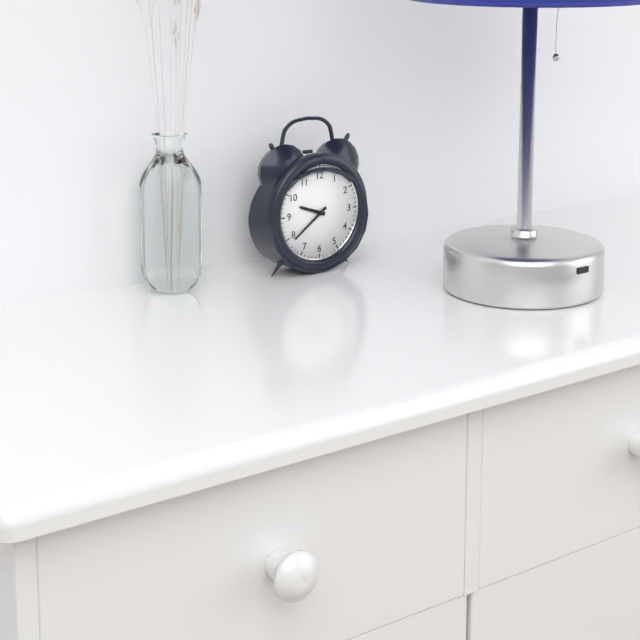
9,39
